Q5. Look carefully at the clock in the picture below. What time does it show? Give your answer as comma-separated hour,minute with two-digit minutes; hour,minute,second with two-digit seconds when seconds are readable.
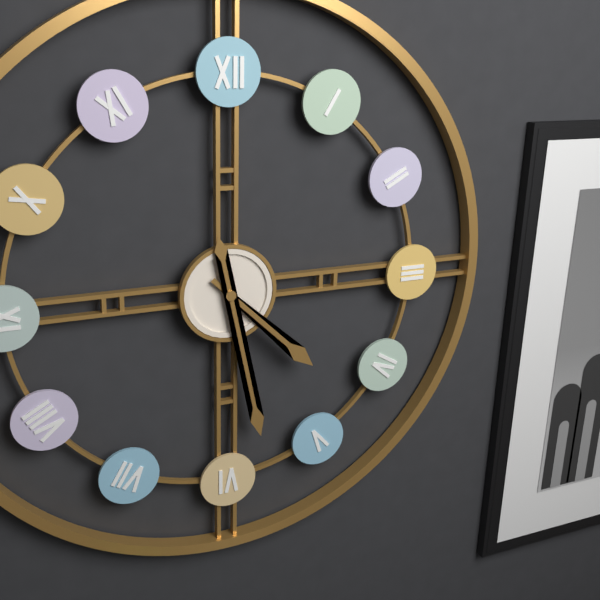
4,28
